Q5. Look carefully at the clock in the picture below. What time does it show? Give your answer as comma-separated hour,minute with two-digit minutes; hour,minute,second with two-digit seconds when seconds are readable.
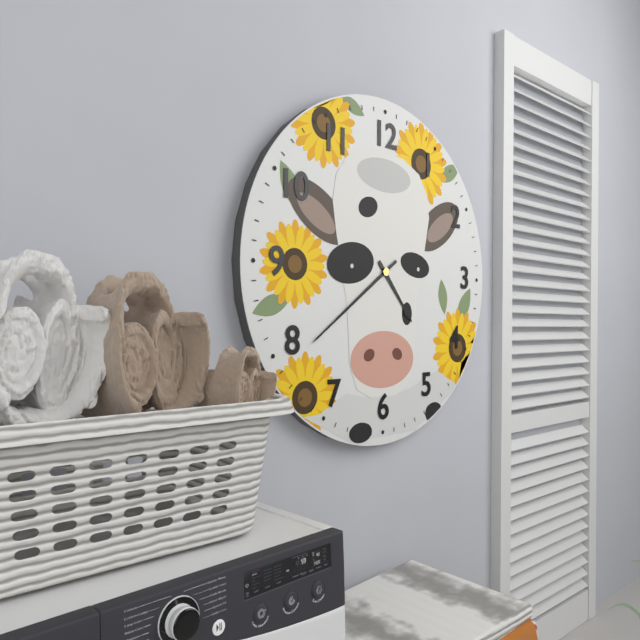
4,39
